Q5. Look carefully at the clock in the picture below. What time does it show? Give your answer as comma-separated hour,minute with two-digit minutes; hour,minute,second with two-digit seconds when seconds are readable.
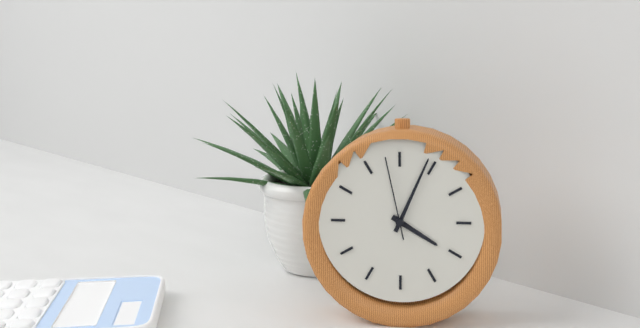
4,04,58
